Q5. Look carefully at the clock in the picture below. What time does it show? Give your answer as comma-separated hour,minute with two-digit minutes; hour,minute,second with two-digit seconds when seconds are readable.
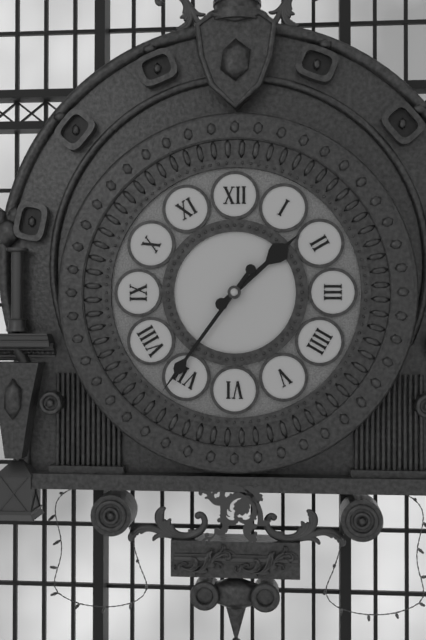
1,36
